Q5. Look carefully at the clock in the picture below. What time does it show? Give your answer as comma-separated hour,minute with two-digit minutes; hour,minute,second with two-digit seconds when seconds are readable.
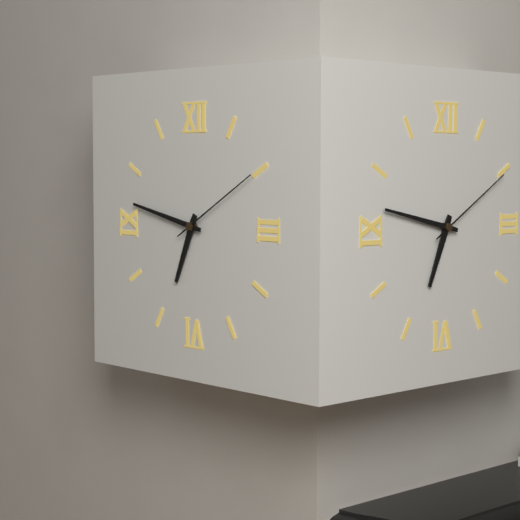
6,47,10
